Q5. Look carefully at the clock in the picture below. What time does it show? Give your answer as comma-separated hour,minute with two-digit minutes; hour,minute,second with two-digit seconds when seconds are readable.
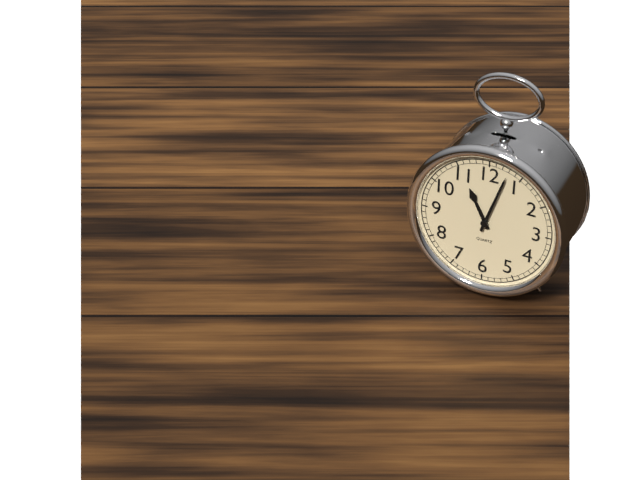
11,03
